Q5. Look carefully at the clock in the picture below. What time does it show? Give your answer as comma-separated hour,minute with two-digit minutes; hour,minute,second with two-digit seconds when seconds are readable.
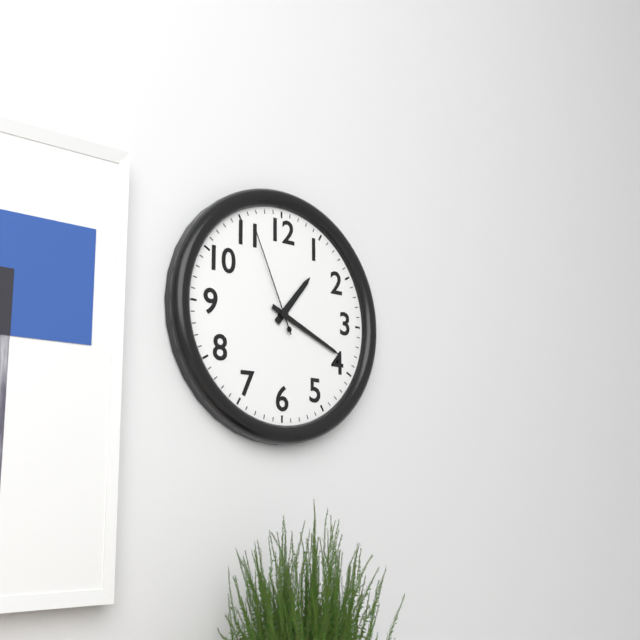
1,19,56
